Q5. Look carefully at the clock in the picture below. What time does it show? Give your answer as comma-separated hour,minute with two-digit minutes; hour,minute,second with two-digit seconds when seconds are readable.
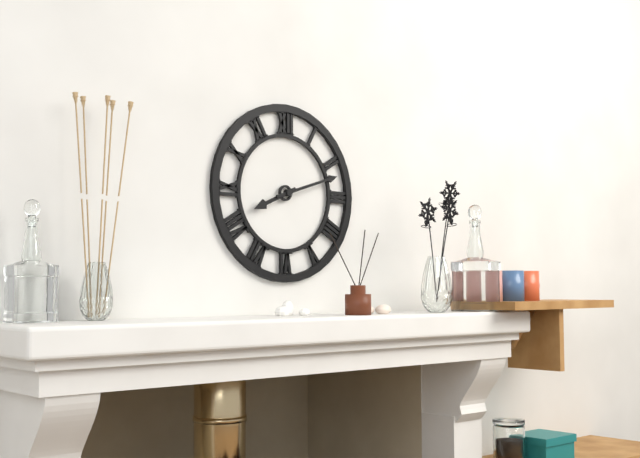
8,12
